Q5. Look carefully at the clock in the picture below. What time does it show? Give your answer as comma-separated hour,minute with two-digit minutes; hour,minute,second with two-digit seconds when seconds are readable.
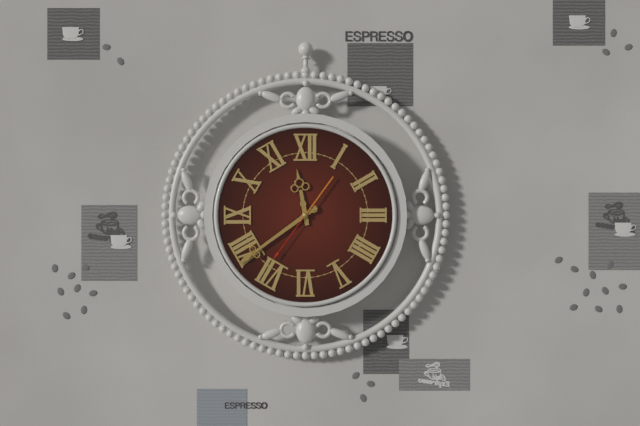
11,39,36
